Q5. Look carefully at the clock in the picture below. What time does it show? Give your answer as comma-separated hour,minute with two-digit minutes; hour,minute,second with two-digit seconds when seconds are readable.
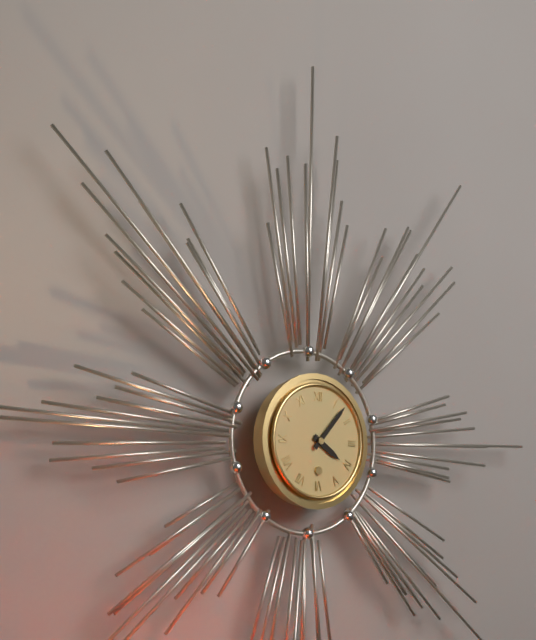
4,07
